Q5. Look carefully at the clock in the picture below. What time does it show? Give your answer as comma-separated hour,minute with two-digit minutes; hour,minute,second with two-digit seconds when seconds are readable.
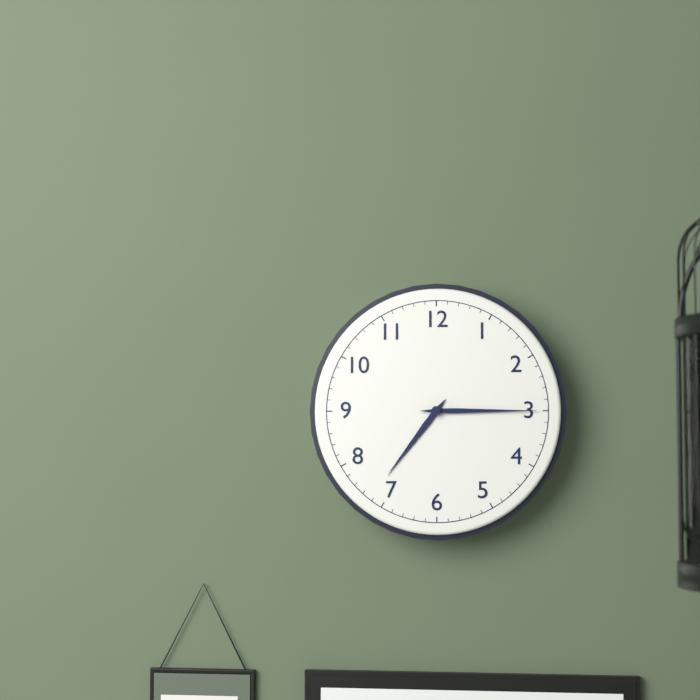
7,15
